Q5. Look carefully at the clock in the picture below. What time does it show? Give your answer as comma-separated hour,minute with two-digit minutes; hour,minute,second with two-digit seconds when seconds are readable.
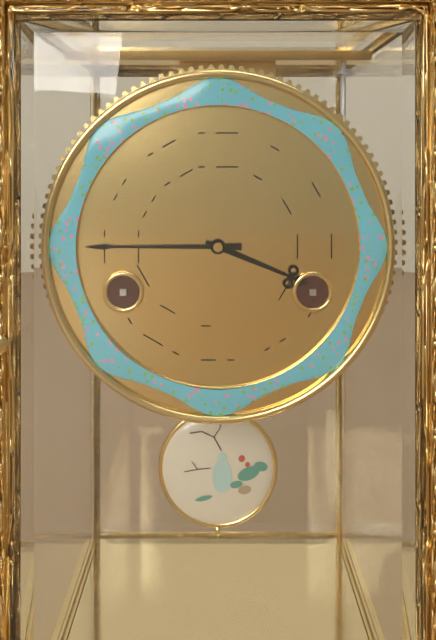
3,45
